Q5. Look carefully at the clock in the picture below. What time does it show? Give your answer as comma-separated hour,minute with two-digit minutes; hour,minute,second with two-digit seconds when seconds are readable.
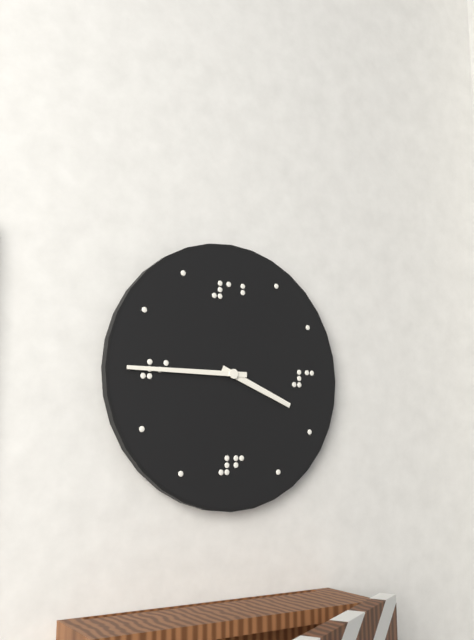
3,45
